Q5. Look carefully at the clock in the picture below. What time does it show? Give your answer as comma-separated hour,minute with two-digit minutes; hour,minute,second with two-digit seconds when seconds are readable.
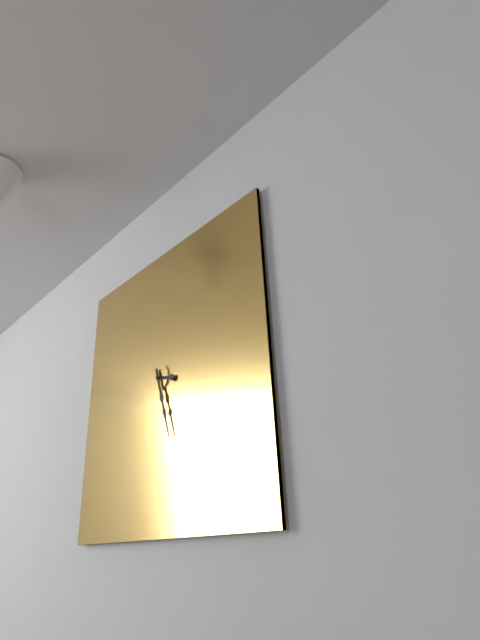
3,27
